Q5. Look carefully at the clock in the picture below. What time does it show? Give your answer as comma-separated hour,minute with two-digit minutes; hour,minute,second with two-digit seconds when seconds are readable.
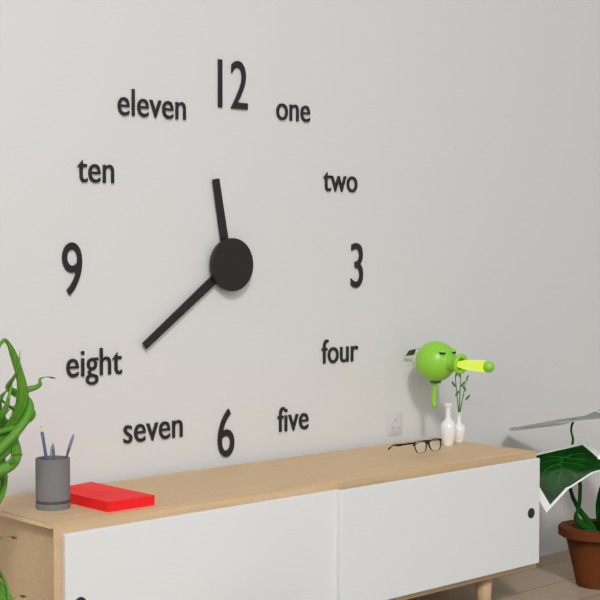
11,39
